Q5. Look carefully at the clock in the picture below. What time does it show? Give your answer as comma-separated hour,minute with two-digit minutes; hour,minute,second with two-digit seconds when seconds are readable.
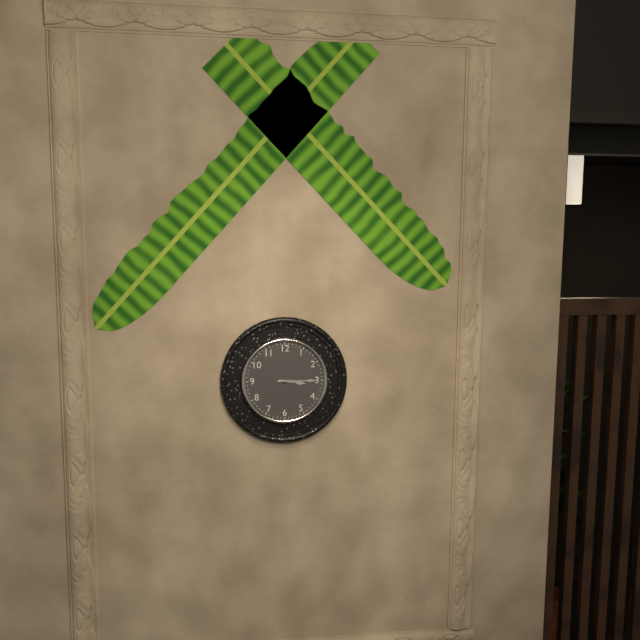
3,15
